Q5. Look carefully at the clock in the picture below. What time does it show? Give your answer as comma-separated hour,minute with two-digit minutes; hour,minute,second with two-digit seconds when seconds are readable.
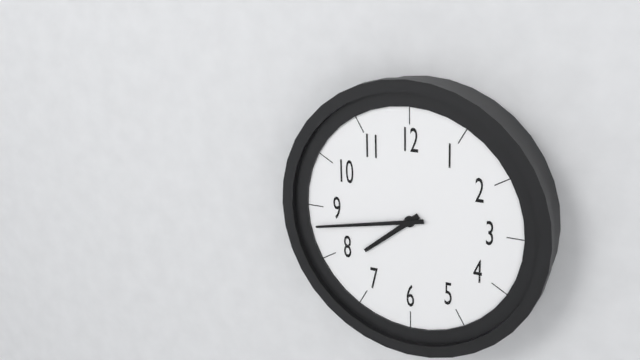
7,43
